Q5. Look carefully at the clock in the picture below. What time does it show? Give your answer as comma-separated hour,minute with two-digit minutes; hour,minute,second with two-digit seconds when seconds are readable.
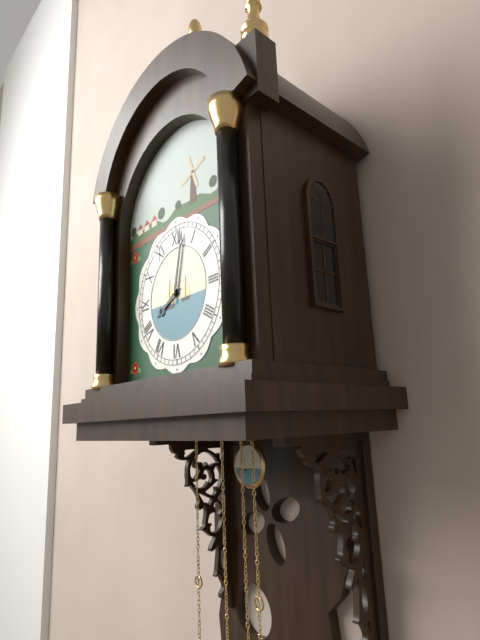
8,02
